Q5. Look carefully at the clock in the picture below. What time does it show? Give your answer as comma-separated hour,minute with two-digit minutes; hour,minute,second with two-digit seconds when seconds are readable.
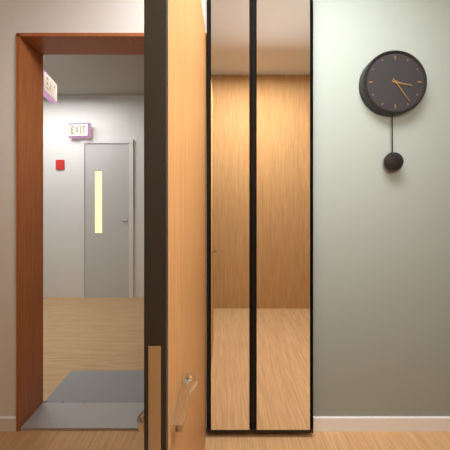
3,24
